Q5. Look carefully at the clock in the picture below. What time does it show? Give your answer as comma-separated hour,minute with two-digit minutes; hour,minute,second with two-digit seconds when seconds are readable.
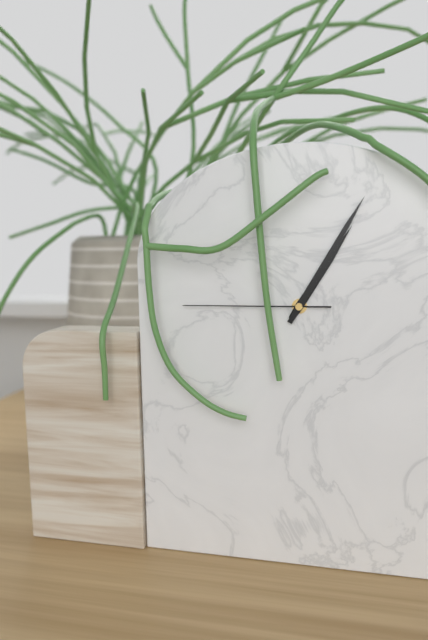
1,05,45
